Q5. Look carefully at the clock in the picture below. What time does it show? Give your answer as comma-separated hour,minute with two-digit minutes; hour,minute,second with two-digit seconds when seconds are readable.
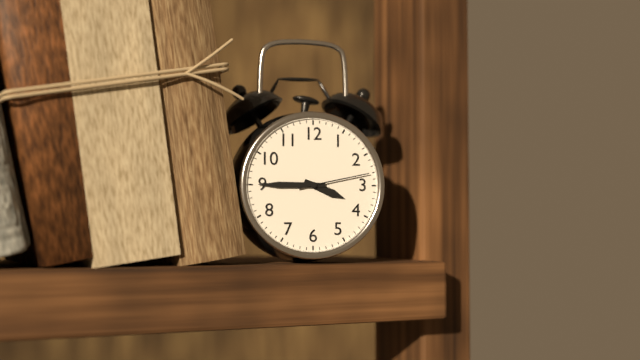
3,45,13
